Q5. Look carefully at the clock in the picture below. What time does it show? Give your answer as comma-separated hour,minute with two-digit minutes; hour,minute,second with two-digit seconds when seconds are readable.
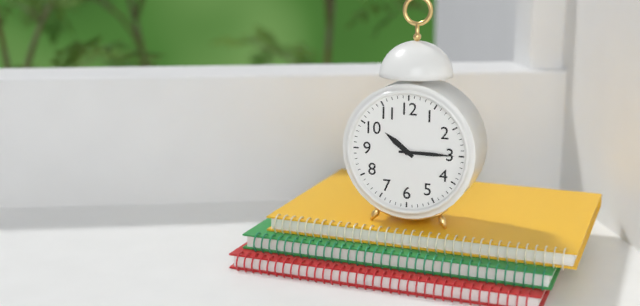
10,15
